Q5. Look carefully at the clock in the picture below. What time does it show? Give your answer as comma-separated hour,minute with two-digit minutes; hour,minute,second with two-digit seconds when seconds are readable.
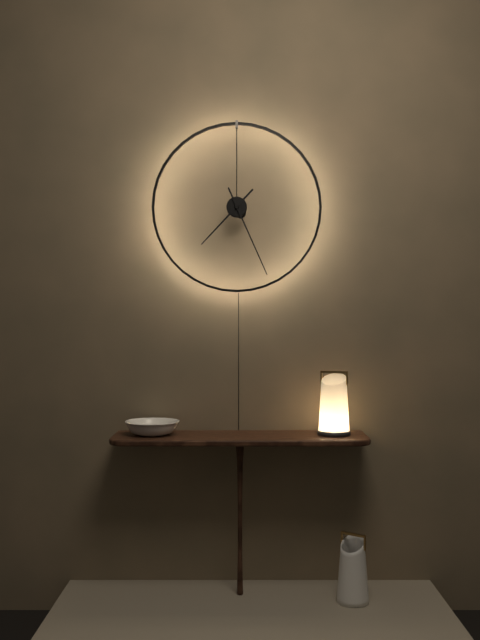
7,26
